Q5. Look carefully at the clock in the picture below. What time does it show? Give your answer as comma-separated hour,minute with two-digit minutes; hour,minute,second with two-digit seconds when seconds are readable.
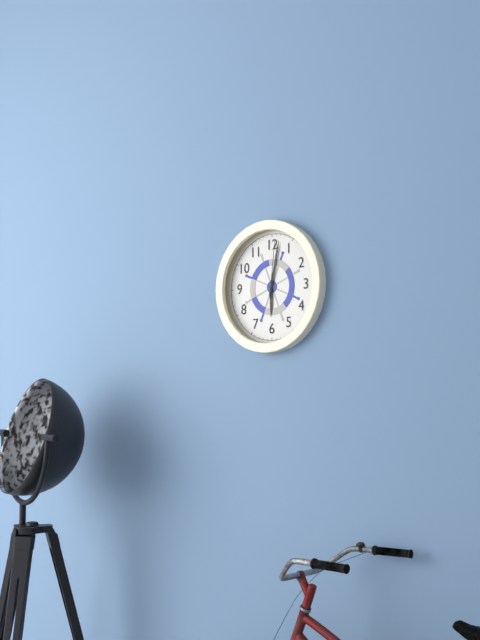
6,02,01
